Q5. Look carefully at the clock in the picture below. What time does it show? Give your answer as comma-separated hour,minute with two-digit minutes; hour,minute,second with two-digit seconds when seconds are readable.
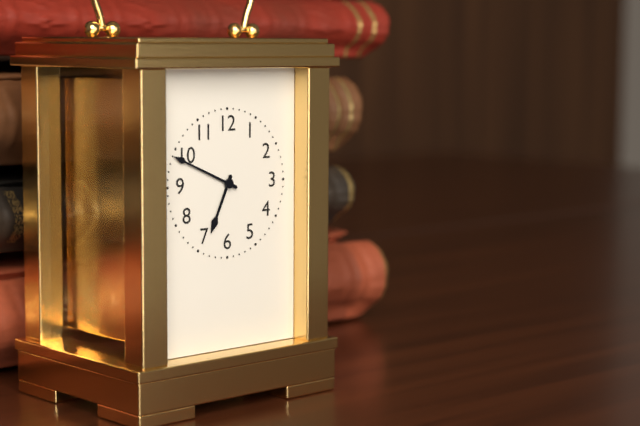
6,49
